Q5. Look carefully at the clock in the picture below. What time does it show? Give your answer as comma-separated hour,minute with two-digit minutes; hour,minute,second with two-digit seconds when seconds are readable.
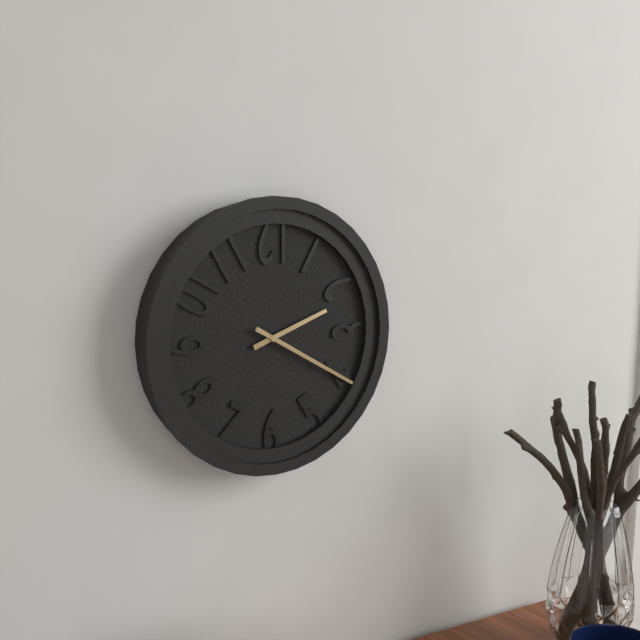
2,20
